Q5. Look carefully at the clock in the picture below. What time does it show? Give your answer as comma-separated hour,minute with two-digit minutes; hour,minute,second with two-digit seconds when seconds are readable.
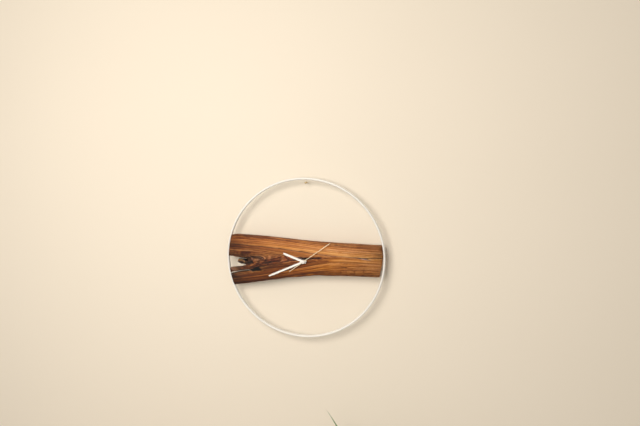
9,41
